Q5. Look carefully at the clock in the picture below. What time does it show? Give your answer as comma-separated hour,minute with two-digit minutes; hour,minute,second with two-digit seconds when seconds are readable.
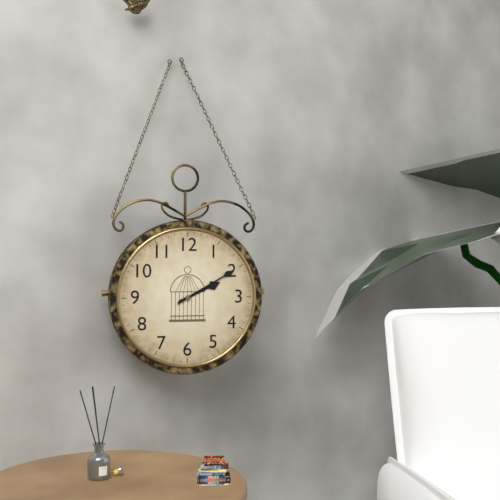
2,10
